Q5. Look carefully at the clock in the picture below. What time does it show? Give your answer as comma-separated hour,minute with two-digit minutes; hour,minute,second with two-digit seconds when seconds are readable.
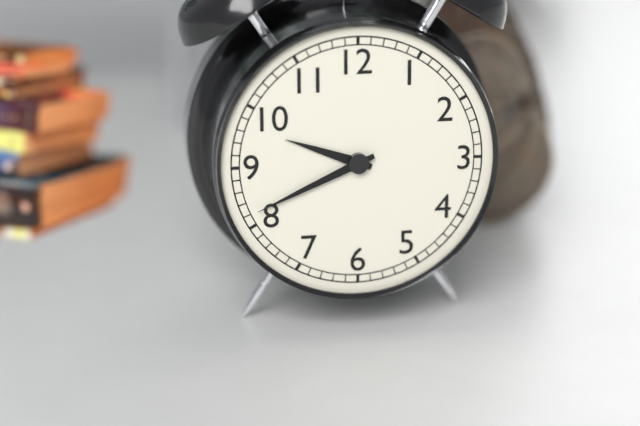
9,41
